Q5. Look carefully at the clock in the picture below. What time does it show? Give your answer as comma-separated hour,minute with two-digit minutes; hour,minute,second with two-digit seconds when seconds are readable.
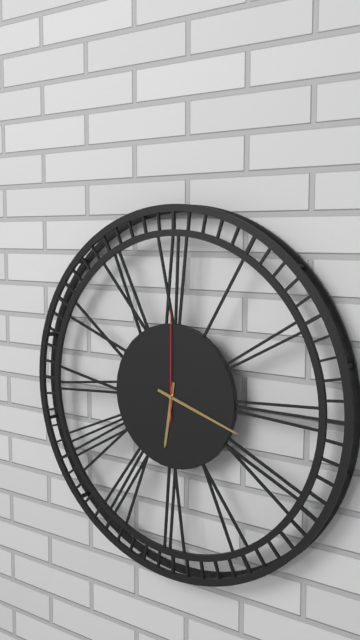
6,18,00
